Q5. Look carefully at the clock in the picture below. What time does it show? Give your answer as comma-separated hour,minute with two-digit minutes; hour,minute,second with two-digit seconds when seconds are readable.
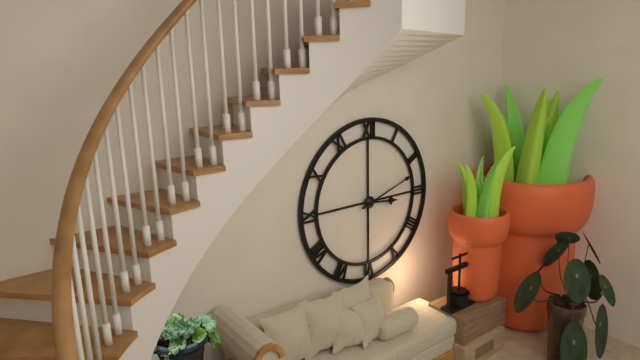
3,12
